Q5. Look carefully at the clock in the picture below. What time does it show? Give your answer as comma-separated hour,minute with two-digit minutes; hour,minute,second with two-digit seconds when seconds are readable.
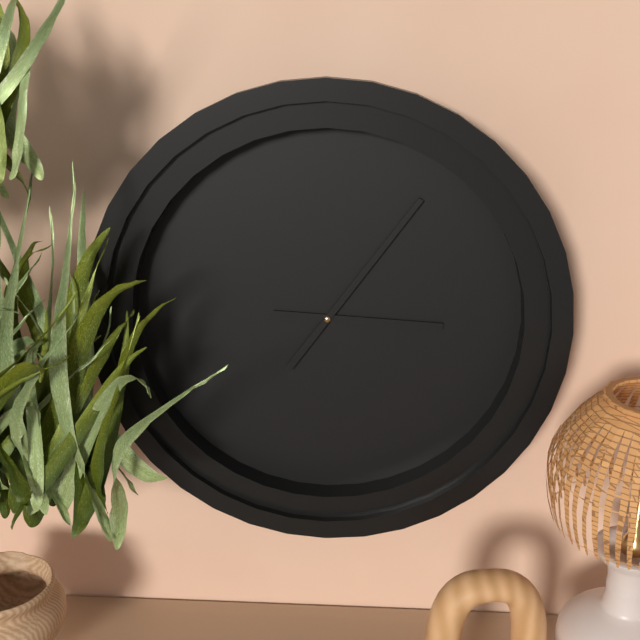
3,06
